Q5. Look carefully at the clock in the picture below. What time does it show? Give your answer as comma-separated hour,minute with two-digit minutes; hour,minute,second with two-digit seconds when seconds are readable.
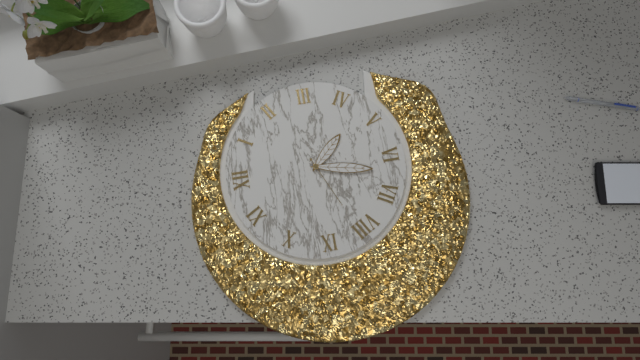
4,32,41
